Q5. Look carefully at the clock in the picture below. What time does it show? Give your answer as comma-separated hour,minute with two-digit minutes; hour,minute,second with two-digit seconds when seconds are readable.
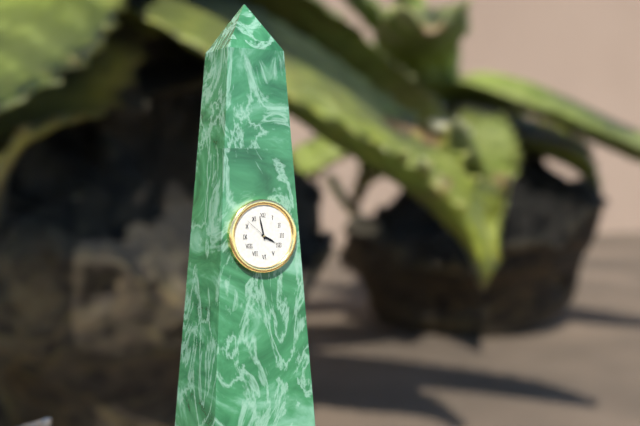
3,58
